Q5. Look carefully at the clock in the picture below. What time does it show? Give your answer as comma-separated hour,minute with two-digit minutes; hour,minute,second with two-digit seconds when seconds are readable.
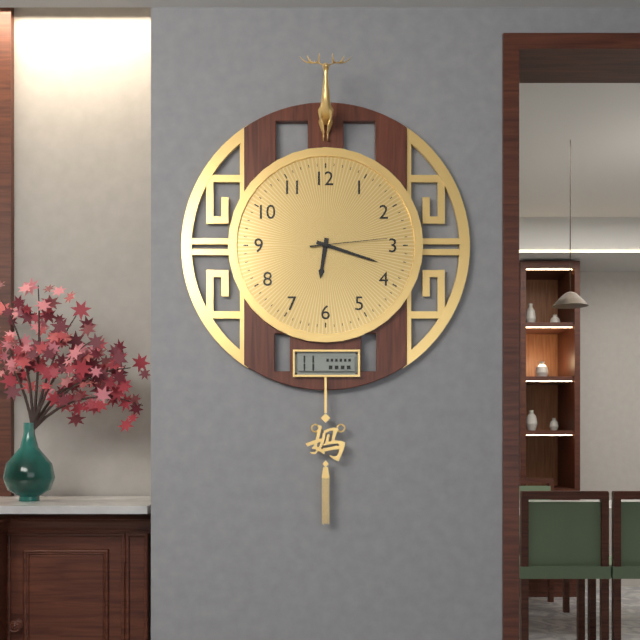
6,18,14
